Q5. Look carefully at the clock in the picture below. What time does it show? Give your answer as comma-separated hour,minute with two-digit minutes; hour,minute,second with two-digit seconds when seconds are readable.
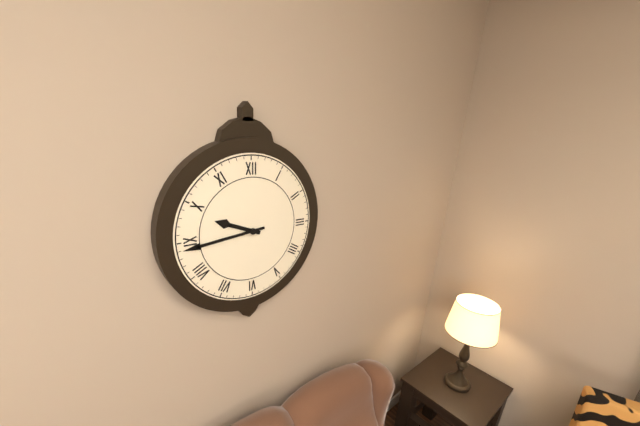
9,44
